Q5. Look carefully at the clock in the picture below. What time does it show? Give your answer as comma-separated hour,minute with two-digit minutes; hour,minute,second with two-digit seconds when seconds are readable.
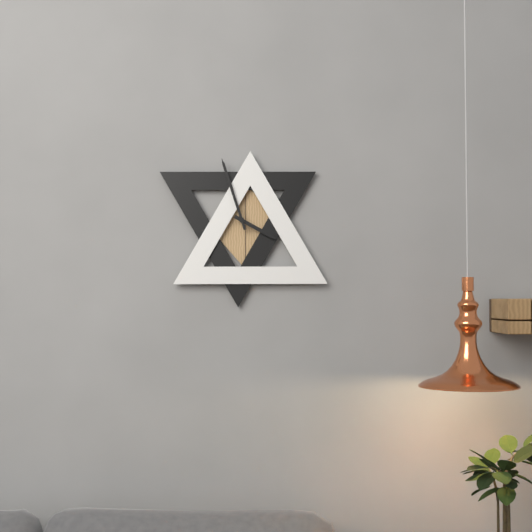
3,57
